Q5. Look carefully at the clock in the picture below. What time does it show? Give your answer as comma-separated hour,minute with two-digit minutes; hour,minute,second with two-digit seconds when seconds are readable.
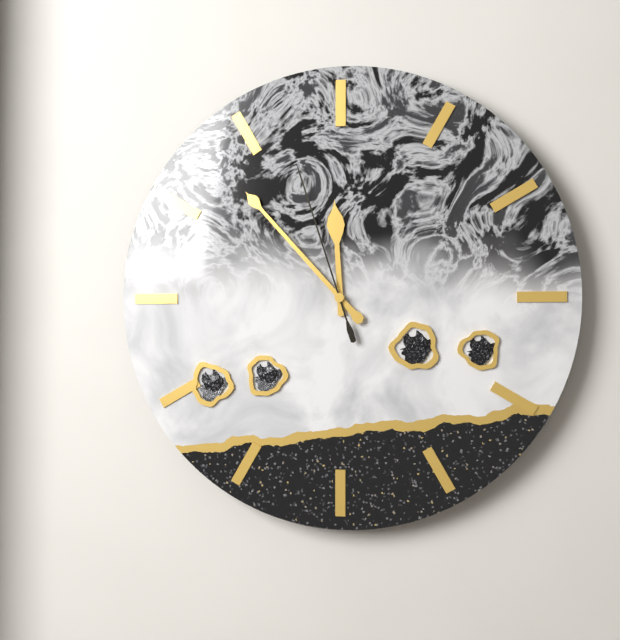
11,53,57
